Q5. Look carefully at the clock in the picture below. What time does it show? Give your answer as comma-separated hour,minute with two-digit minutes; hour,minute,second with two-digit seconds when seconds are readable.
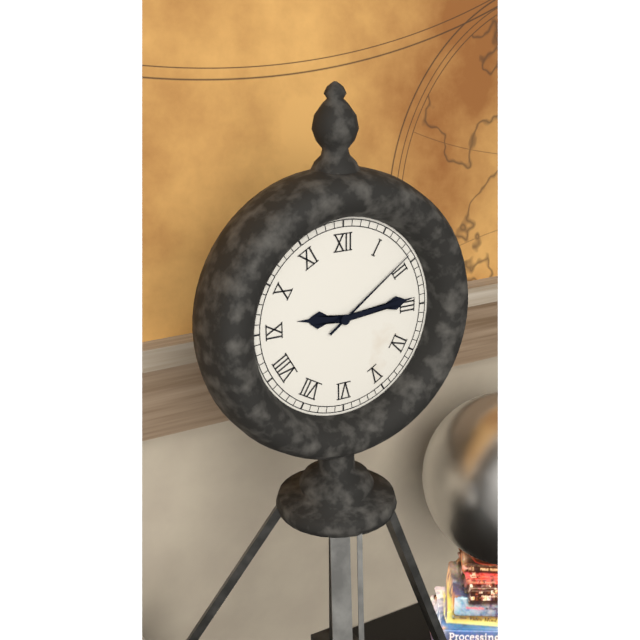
9,14,09
